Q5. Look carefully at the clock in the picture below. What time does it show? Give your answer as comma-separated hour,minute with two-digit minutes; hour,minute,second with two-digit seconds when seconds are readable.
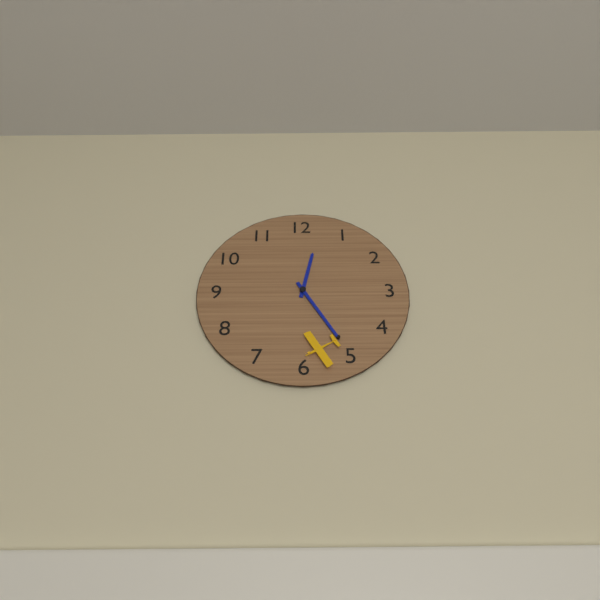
12,25
